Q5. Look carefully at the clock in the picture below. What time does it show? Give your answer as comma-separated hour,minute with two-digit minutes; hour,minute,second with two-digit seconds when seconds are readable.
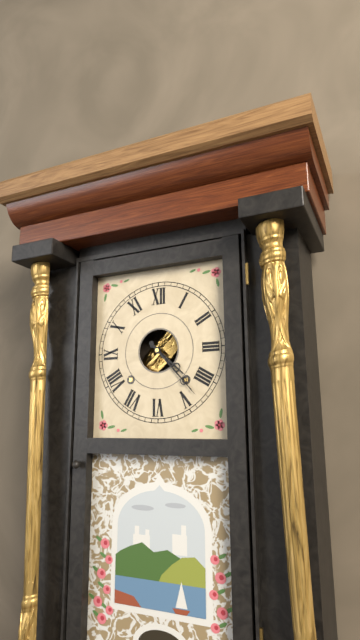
4,23
